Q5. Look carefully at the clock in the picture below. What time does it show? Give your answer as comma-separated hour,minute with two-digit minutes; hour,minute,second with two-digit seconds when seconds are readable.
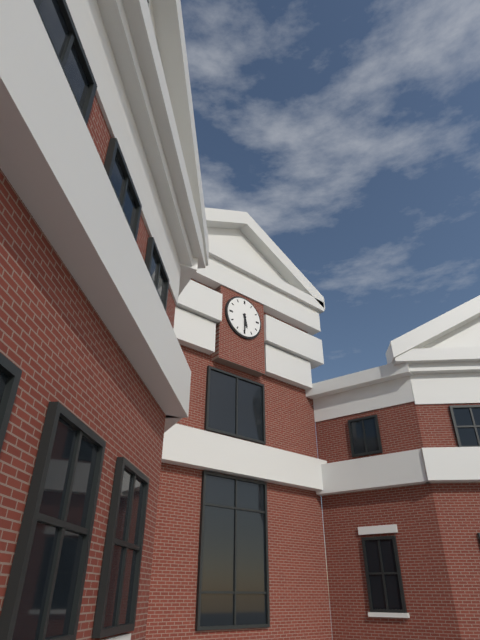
5,30
